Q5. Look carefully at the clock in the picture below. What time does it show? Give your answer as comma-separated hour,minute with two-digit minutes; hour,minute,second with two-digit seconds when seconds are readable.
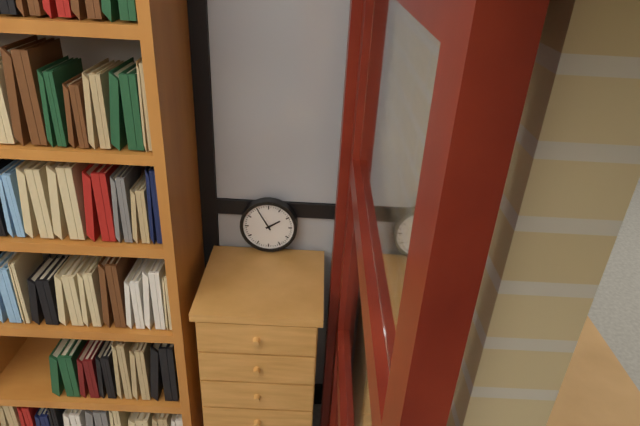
1,55
